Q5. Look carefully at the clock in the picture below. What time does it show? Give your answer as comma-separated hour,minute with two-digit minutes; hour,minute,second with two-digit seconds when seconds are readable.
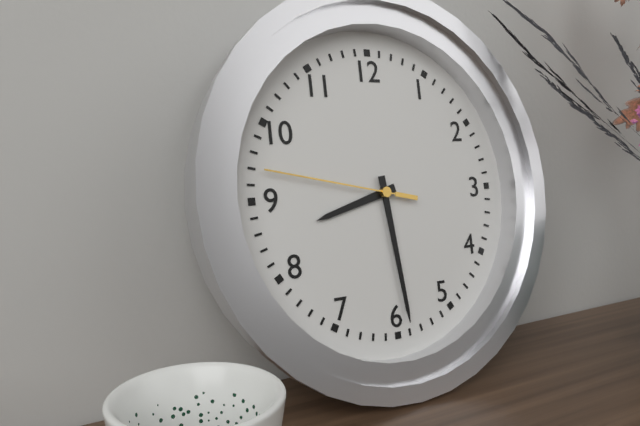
8,29,47
